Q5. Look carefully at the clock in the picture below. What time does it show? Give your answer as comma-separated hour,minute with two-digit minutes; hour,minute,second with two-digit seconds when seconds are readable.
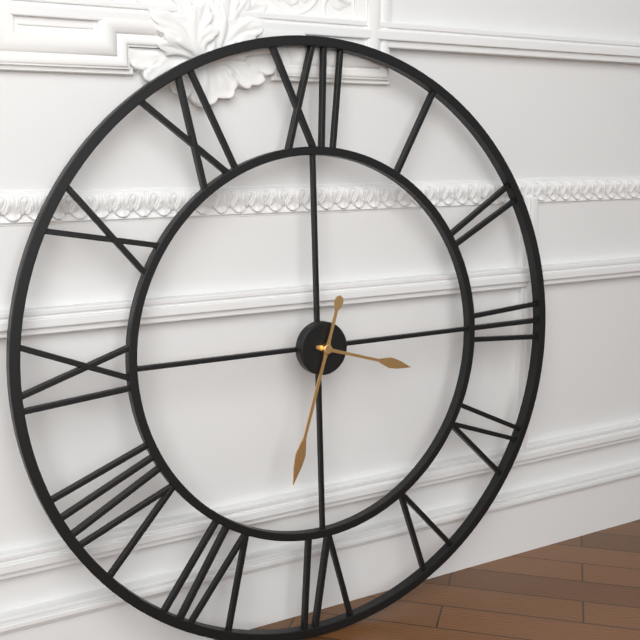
3,33
